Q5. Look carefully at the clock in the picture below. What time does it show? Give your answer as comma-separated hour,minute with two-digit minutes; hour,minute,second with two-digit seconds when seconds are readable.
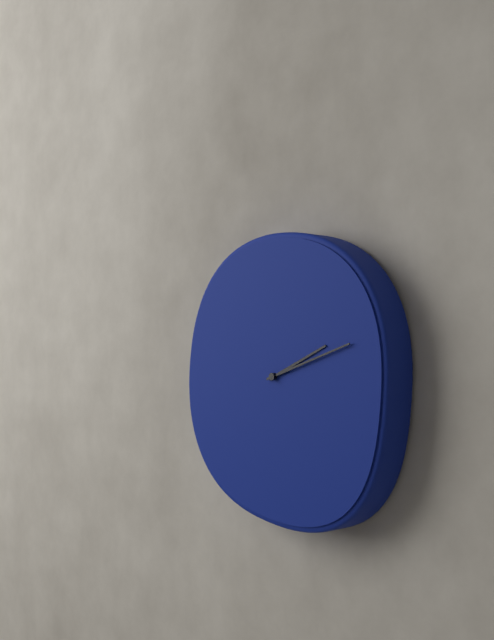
2,12
